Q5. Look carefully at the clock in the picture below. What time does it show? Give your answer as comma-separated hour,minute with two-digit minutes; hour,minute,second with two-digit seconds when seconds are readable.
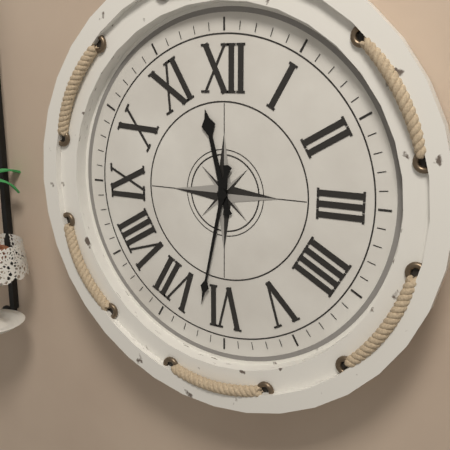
11,32
